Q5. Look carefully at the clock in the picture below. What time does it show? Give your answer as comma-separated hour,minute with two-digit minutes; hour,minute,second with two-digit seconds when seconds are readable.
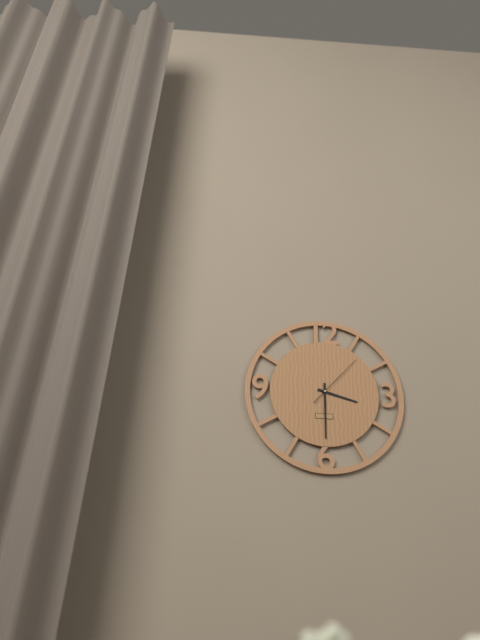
3,30,07
